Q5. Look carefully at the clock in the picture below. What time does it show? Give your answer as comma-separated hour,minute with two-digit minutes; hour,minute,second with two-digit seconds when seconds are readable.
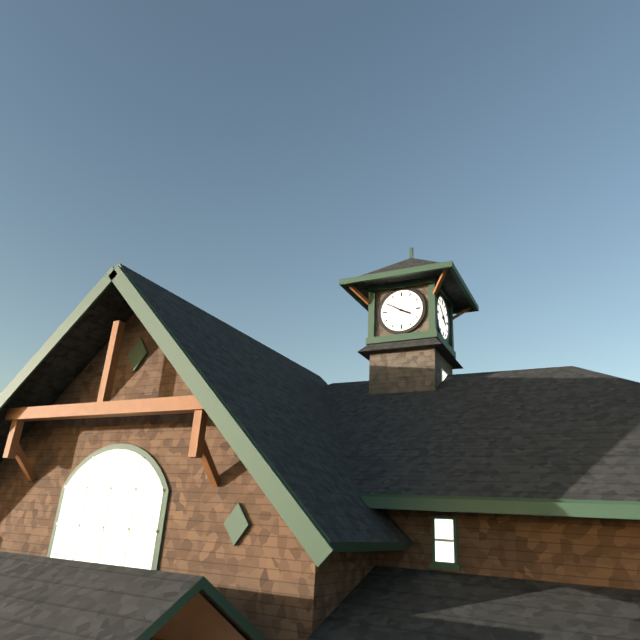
3,50
